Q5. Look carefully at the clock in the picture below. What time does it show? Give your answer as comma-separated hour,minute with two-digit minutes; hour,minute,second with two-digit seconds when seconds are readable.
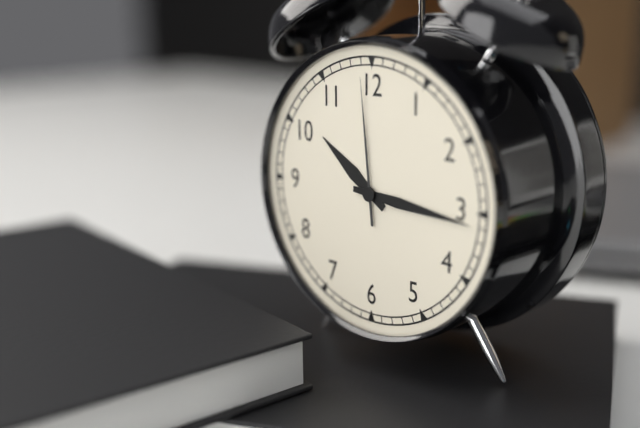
10,16,59
